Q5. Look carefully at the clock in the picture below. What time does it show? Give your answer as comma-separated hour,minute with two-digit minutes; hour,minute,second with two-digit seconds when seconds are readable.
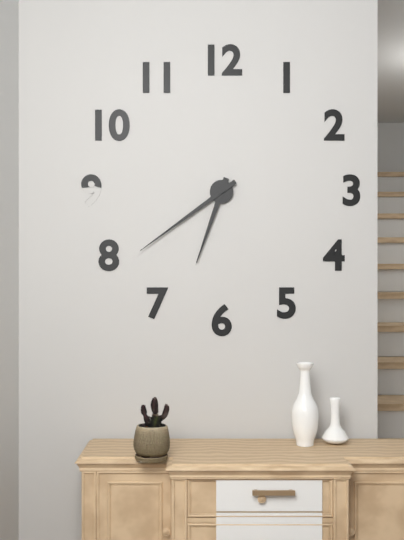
6,39
